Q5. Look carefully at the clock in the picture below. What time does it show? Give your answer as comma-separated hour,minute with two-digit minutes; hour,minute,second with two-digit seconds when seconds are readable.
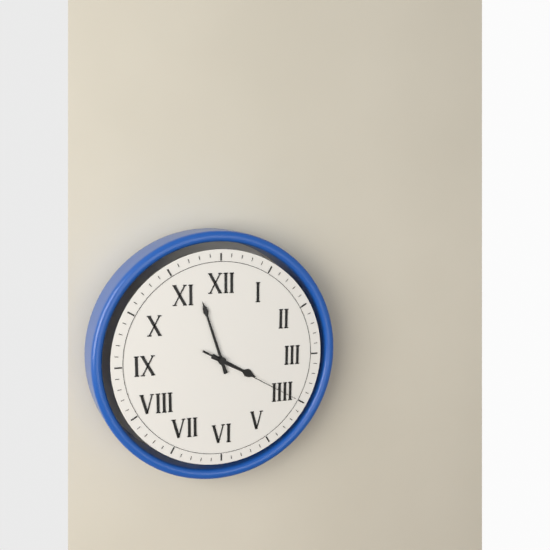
3,57,20
